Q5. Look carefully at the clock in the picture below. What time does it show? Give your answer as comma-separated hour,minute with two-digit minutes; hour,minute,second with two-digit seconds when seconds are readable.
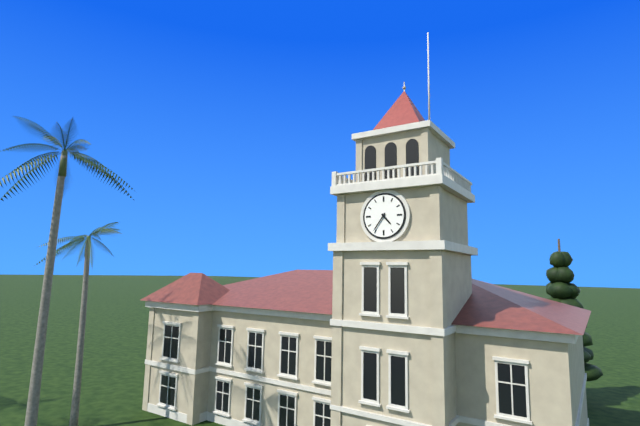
4,36
